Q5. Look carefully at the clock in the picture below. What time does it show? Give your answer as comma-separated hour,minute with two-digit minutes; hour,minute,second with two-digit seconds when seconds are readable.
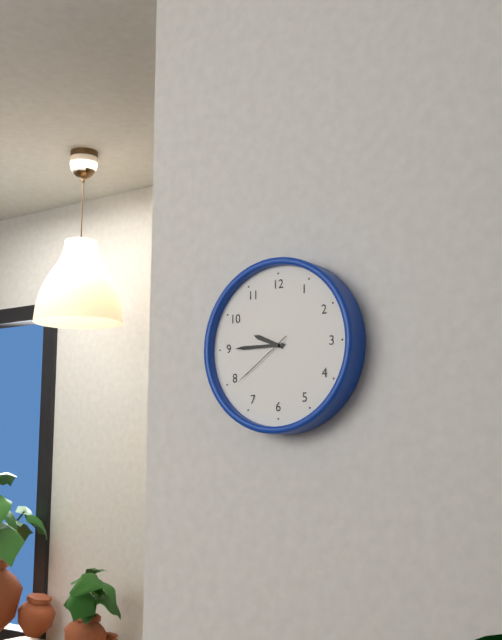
9,45,39
